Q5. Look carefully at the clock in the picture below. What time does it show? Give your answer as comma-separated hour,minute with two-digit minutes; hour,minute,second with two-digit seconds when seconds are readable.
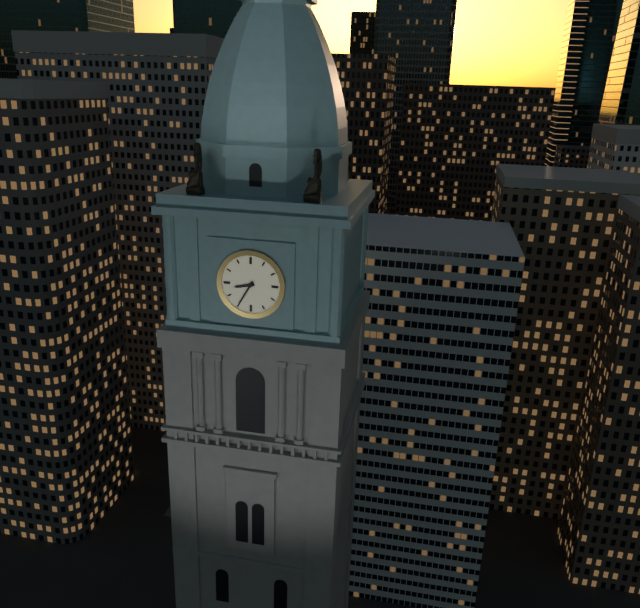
8,35
